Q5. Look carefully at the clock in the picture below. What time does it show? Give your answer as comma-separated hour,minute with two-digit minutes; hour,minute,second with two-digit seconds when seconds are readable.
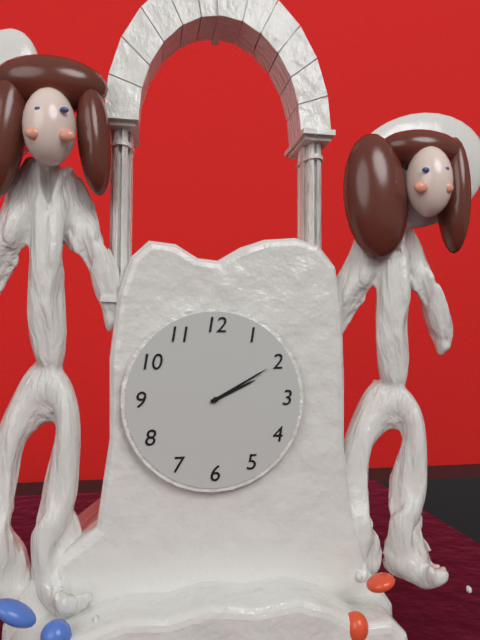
2,10
